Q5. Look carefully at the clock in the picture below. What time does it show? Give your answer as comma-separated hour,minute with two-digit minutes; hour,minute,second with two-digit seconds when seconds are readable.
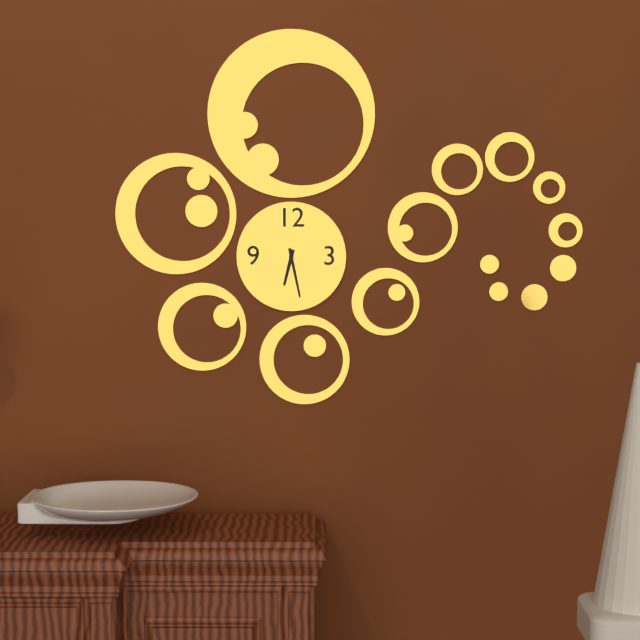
6,28
